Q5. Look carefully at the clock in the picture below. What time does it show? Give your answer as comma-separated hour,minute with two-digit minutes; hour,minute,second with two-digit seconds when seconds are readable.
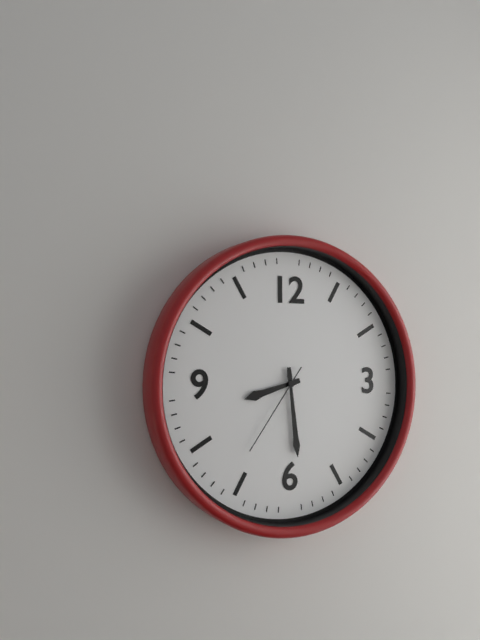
8,29,36
